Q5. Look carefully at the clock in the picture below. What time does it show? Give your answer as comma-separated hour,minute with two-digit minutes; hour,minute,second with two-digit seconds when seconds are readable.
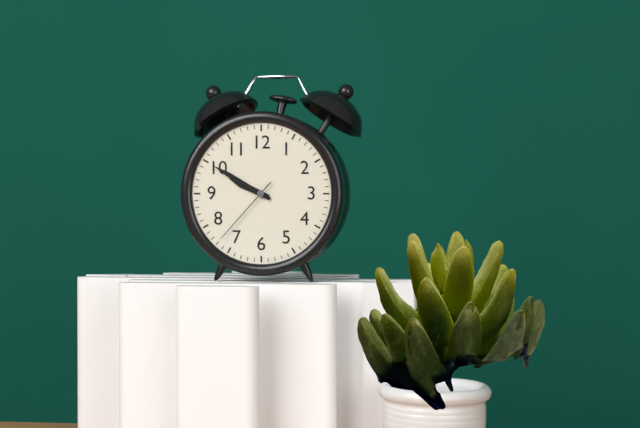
9,50,37
